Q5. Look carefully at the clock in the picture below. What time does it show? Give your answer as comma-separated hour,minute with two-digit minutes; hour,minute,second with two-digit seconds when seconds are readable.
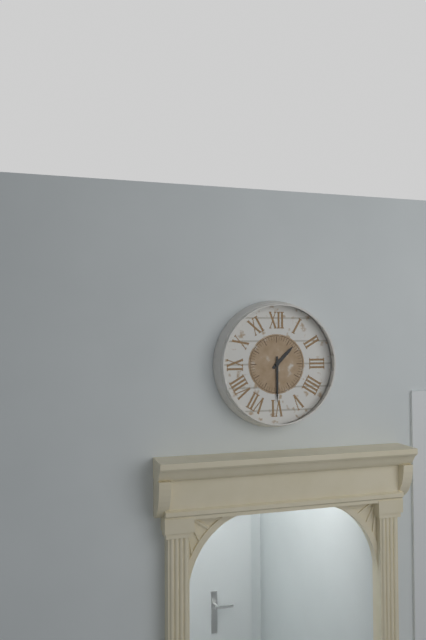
1,30
